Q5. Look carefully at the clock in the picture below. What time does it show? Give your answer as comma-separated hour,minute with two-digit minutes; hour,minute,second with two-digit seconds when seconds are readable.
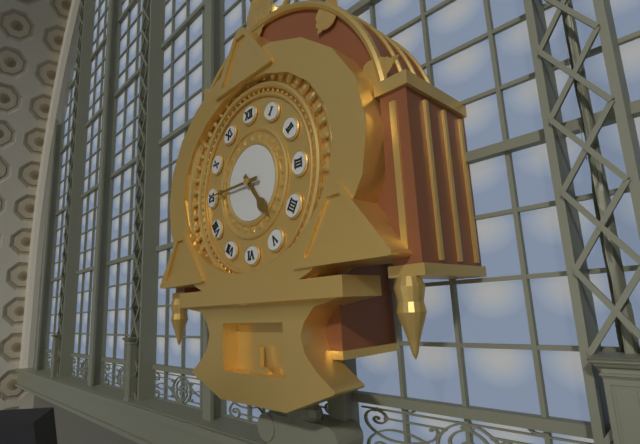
4,45
